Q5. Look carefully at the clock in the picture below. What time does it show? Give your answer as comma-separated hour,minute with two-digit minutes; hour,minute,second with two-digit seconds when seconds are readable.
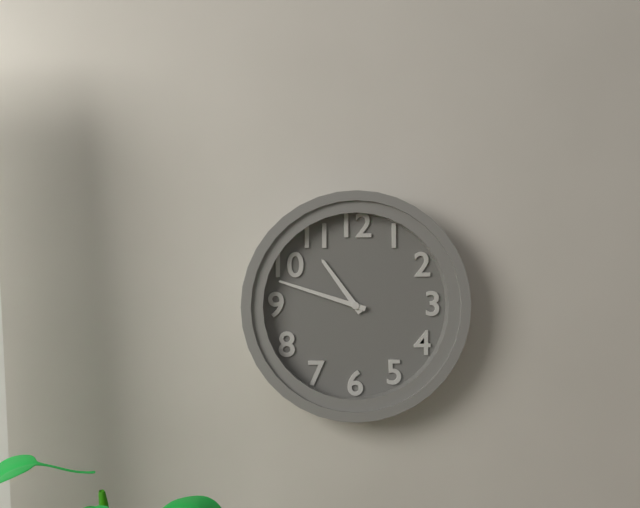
10,48
